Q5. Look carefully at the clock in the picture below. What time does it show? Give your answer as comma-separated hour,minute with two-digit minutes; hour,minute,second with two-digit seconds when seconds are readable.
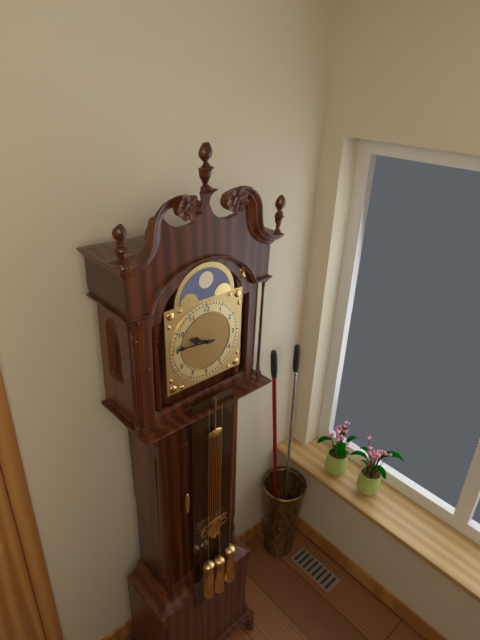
9,46
